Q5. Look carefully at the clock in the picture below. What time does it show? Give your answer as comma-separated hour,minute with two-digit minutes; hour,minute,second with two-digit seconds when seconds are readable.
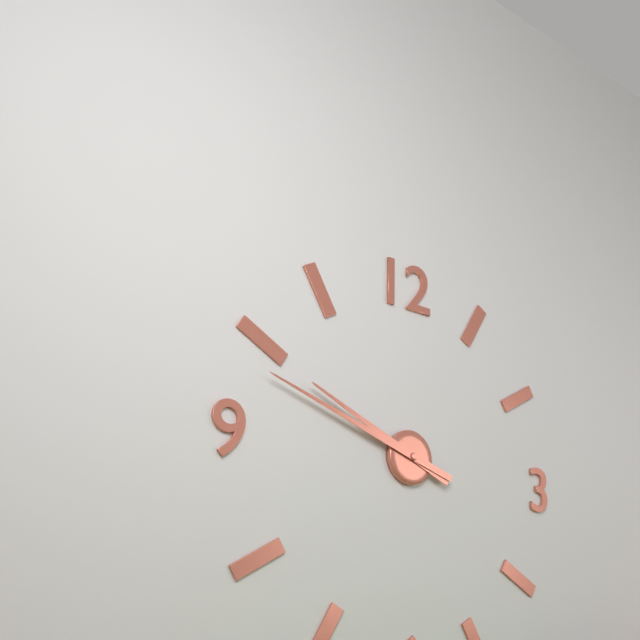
9,48
